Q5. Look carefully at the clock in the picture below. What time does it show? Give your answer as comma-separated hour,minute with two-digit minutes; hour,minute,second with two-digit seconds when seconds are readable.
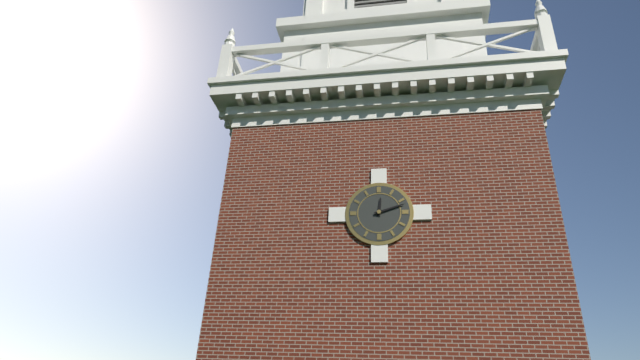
12,12
